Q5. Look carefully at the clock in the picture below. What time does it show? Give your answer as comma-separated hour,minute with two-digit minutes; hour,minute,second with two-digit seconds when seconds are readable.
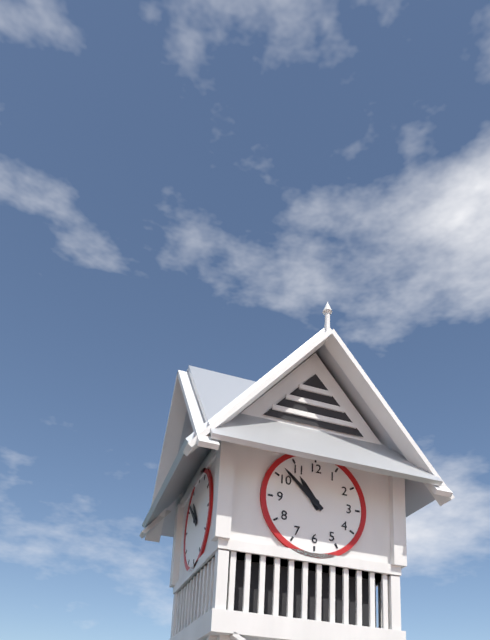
10,52
